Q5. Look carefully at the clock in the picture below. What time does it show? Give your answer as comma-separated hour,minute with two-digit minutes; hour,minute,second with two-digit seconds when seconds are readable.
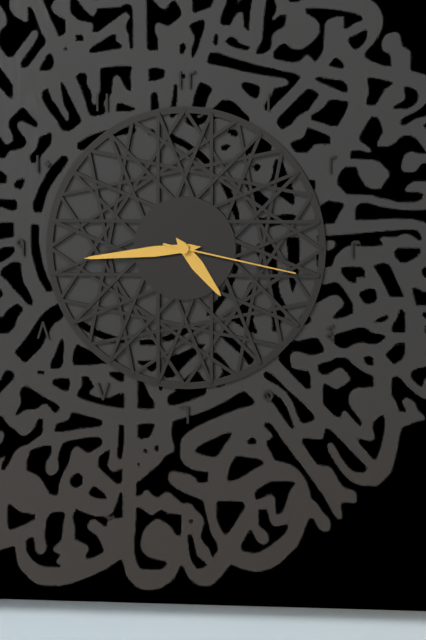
4,44,17
